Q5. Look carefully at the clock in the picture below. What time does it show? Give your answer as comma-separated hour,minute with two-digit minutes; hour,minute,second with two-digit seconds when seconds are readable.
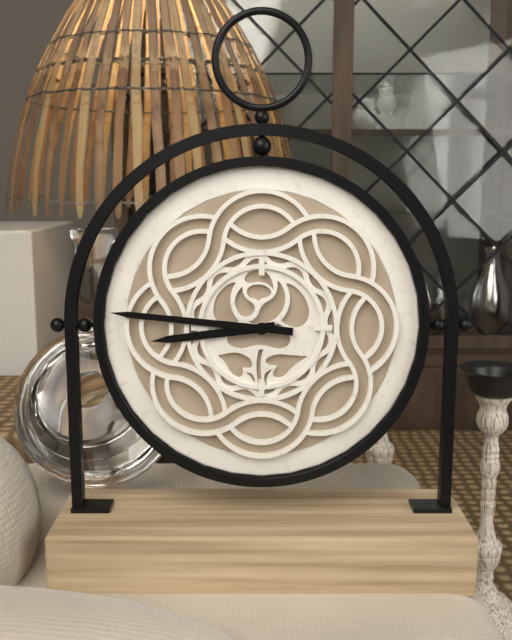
8,46
